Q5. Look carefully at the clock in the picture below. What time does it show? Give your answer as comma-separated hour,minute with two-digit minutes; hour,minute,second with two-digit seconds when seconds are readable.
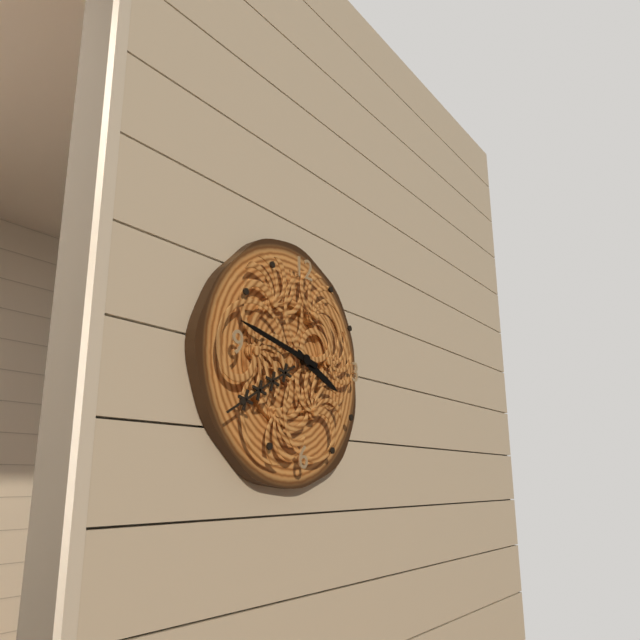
3,47
